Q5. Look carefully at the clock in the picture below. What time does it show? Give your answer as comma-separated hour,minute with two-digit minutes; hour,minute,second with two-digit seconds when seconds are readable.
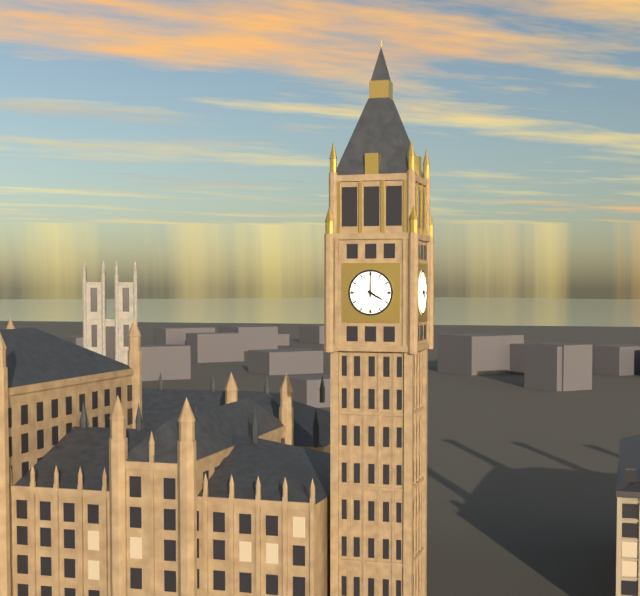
4,00
